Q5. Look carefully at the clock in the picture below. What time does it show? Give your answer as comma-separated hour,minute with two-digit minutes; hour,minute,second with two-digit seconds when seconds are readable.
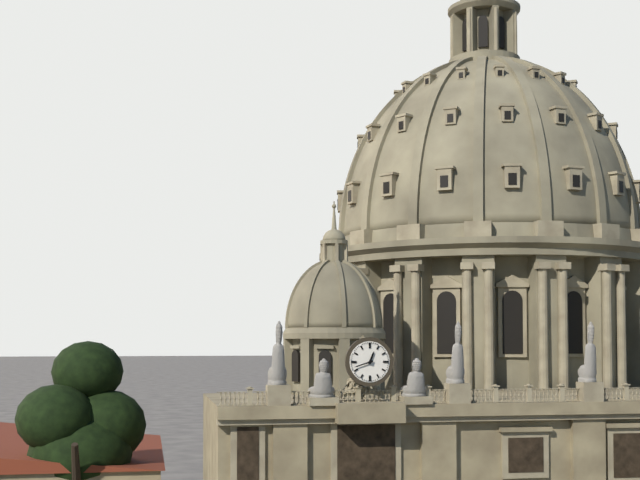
12,42
